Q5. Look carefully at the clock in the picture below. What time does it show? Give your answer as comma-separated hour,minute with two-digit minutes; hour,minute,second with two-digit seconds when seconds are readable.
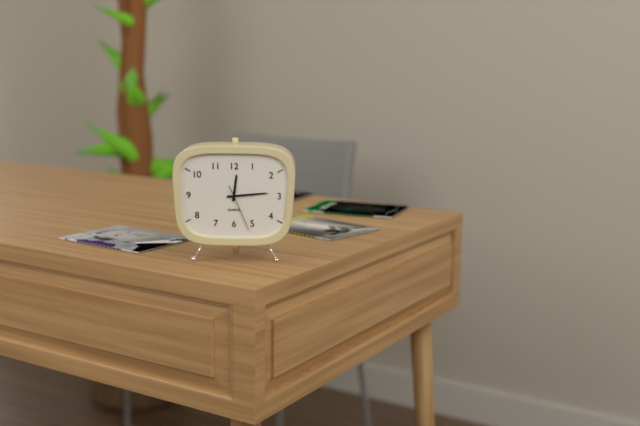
12,14
